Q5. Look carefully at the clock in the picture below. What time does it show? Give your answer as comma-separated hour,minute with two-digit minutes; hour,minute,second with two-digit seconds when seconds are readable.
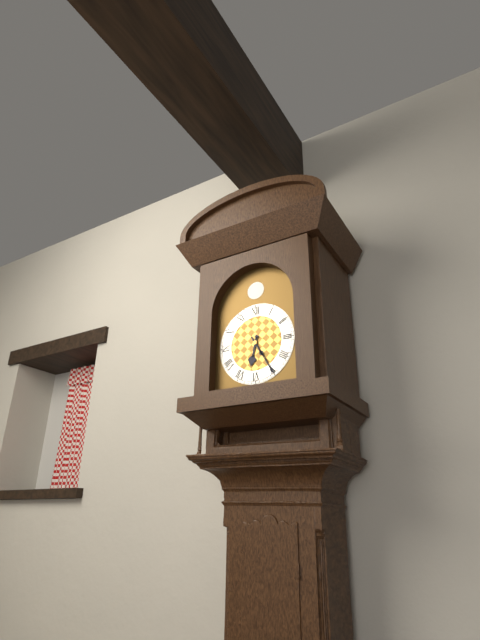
6,25
